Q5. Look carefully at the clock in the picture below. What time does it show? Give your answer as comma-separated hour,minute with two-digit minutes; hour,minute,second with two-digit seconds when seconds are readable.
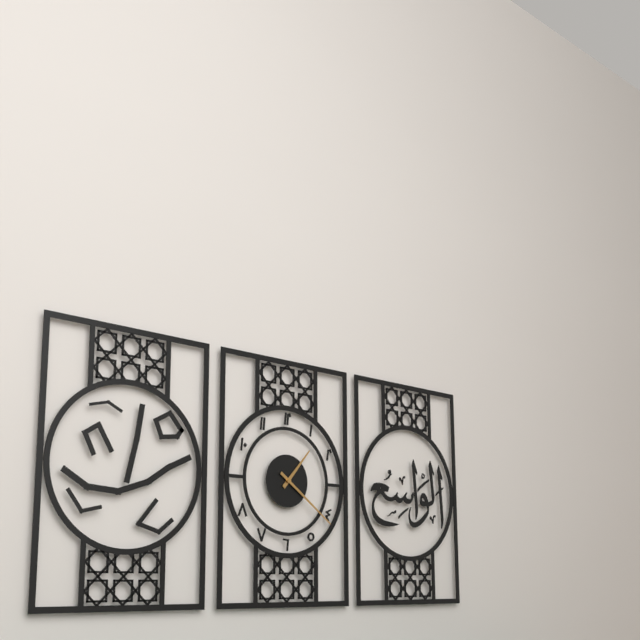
1,21
